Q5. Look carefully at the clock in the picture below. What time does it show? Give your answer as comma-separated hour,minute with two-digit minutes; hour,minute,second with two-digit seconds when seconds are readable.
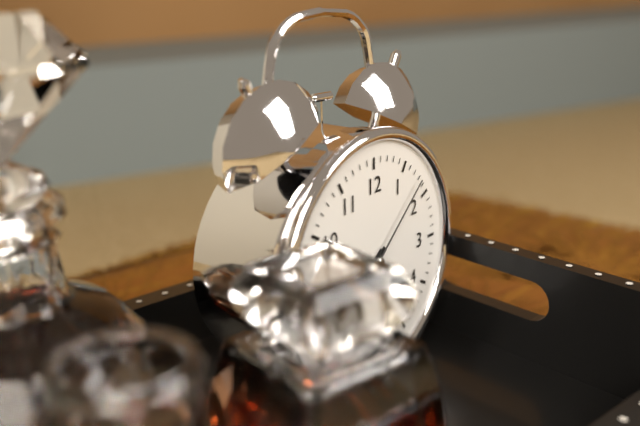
7,38,08
